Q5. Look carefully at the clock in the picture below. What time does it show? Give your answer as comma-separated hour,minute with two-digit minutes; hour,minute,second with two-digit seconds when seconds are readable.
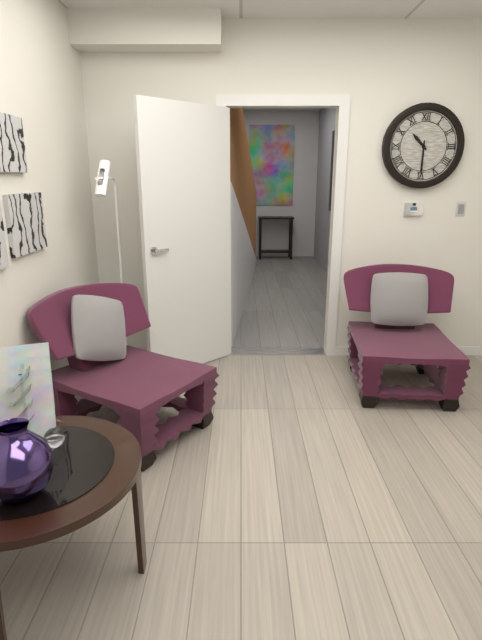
10,30
